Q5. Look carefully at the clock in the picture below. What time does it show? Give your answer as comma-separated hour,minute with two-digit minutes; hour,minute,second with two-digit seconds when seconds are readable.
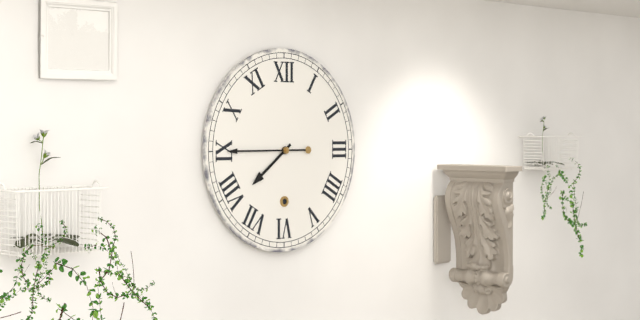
7,45
